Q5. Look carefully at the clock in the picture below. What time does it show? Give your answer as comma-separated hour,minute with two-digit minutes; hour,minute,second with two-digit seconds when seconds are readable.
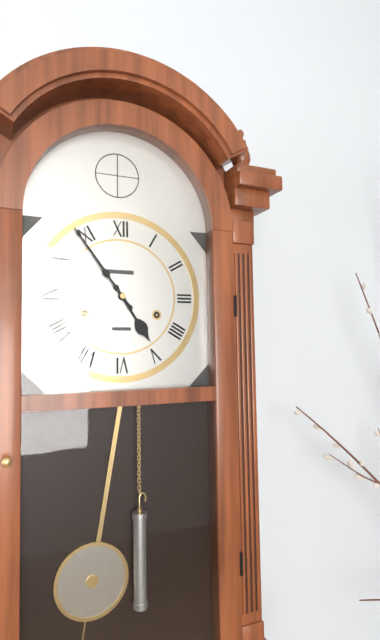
4,54
